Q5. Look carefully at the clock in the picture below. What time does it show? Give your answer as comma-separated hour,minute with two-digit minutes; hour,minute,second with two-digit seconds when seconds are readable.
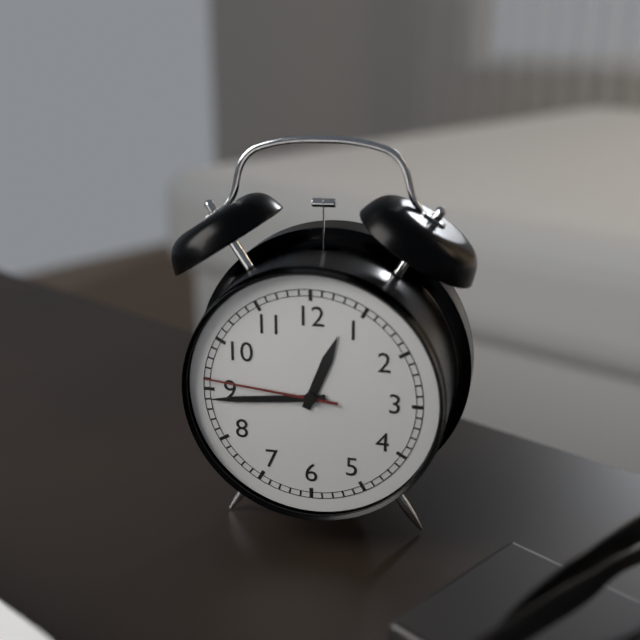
12,44,46
